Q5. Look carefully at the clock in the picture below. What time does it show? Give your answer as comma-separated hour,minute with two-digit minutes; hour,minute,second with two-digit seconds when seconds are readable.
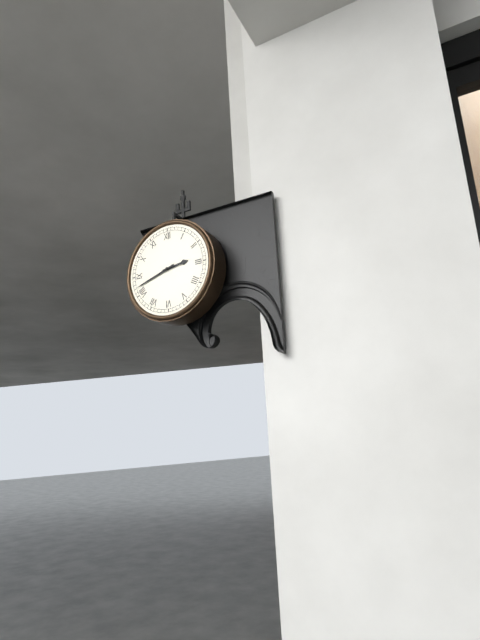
2,42
